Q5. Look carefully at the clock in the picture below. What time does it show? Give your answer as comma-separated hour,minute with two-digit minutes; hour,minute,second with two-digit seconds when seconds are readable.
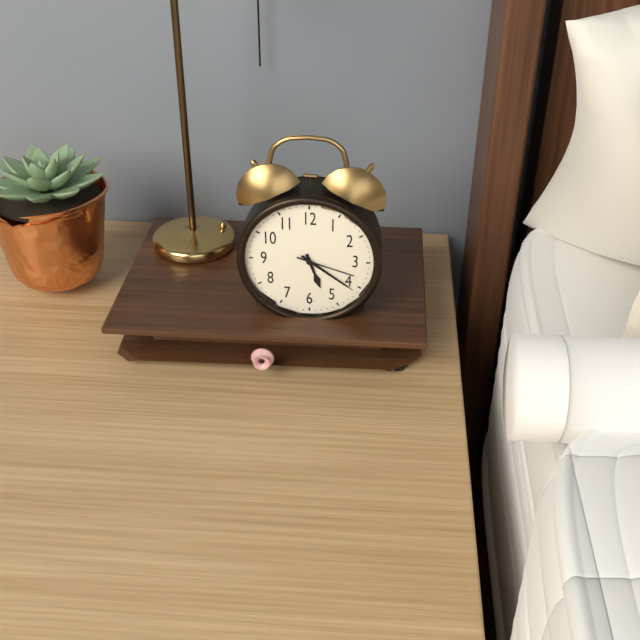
5,21,18
